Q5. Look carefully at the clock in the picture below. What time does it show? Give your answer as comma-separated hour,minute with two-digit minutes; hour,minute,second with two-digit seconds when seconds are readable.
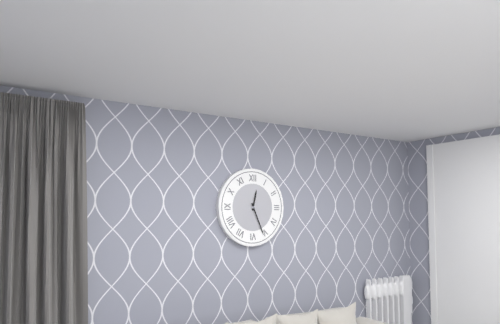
12,26
